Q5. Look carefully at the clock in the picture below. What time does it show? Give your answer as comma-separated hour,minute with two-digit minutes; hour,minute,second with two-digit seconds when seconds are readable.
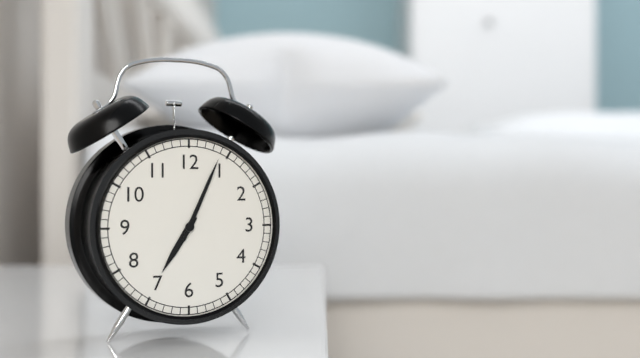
7,04
